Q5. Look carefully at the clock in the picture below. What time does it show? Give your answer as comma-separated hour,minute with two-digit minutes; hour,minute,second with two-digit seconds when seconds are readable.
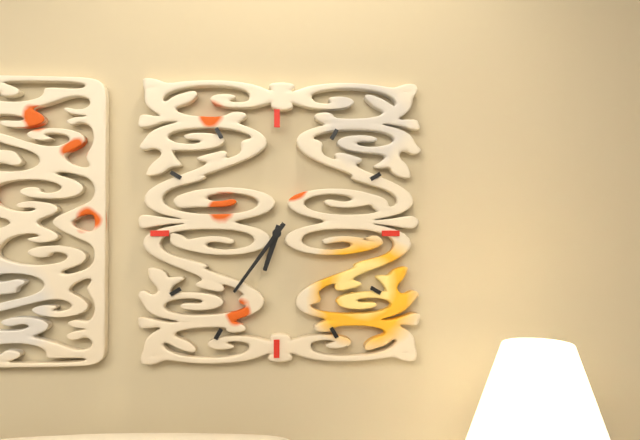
6,36
